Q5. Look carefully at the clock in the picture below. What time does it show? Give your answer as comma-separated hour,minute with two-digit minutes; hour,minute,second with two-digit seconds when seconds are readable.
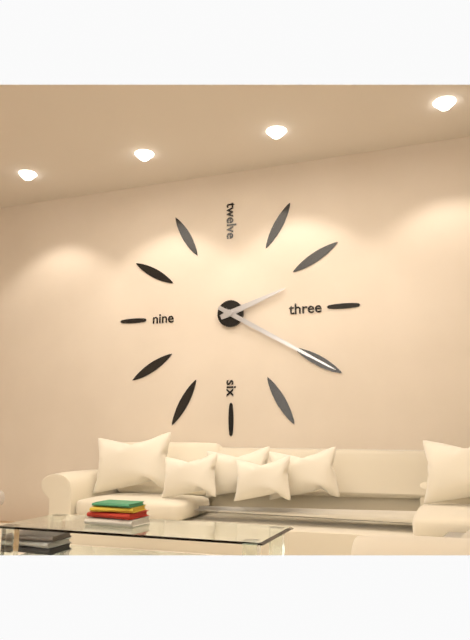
2,20
